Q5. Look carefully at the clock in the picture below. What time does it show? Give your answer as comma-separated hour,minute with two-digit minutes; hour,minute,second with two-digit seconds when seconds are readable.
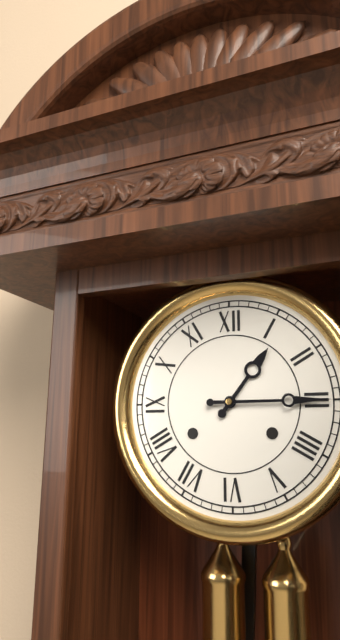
1,15
